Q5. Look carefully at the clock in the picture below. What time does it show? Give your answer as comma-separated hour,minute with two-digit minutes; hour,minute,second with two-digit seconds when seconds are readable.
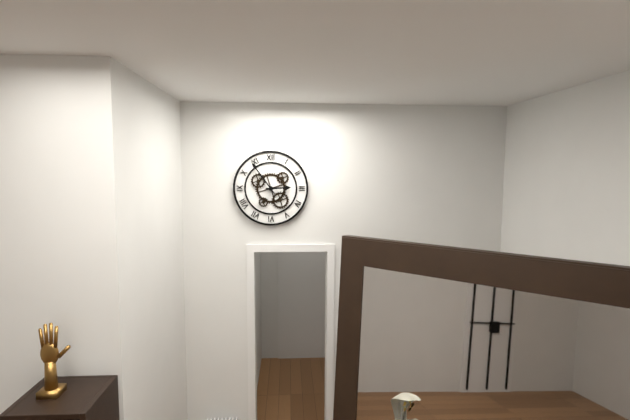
2,54
